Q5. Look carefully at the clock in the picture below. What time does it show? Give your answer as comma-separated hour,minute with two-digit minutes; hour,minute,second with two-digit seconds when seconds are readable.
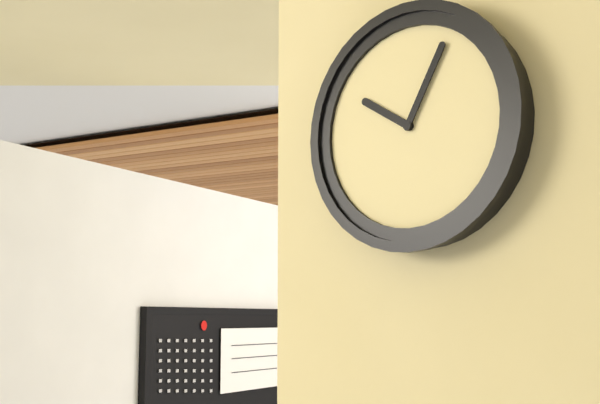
10,05
